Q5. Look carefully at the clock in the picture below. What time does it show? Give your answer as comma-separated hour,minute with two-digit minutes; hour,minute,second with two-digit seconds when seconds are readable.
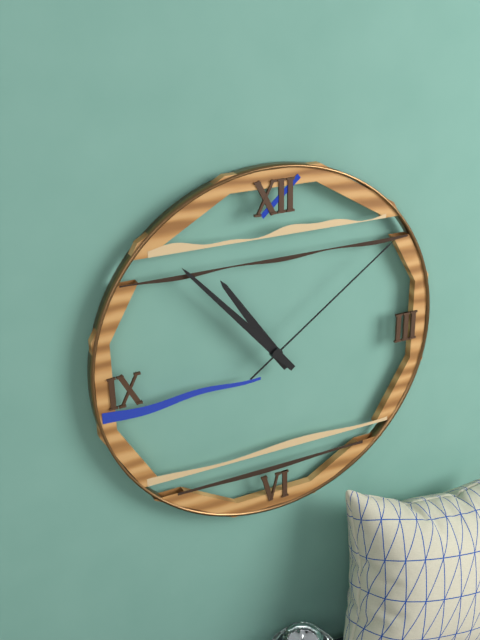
10,53,09
